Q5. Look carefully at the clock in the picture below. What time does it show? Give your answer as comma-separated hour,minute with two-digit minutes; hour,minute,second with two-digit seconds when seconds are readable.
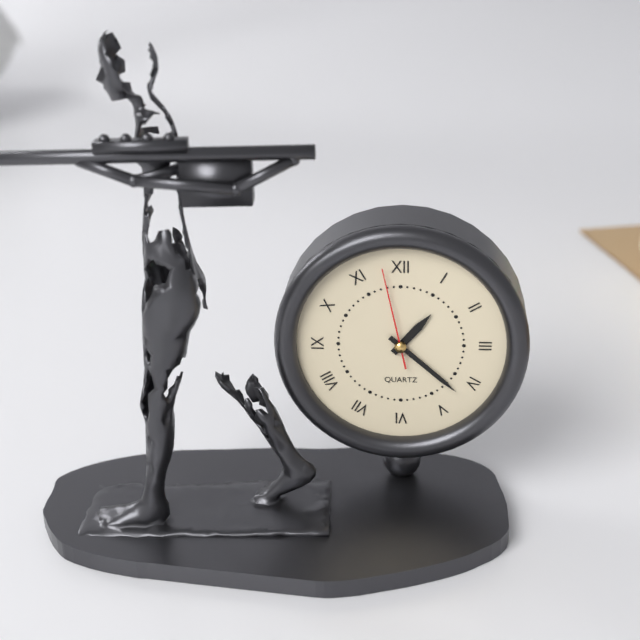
1,22,58
